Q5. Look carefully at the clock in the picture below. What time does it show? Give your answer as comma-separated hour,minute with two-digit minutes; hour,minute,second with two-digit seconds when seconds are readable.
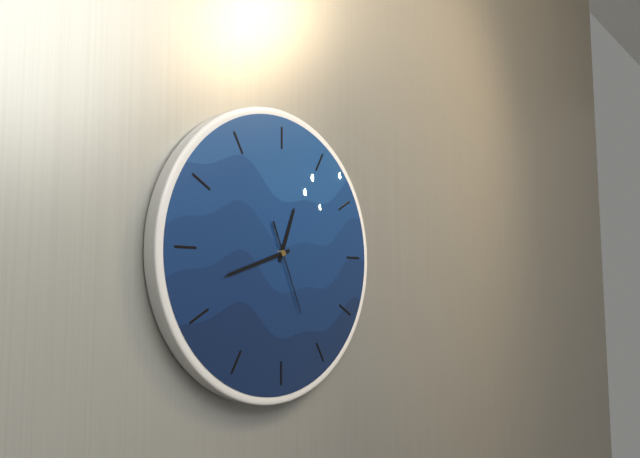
12,42,26
